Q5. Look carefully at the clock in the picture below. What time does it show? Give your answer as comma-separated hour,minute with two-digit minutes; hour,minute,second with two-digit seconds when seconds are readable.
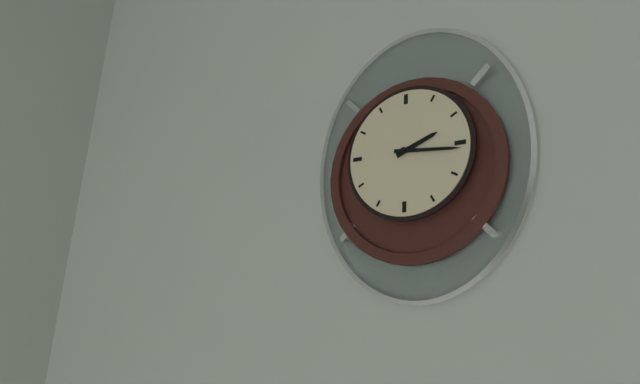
2,16
